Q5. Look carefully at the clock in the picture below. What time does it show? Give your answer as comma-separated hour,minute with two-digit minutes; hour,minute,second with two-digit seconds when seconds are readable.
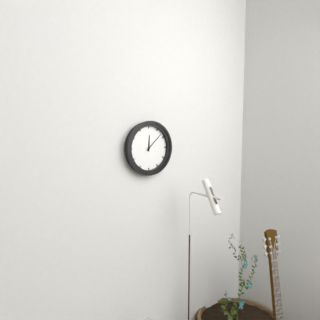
12,08
